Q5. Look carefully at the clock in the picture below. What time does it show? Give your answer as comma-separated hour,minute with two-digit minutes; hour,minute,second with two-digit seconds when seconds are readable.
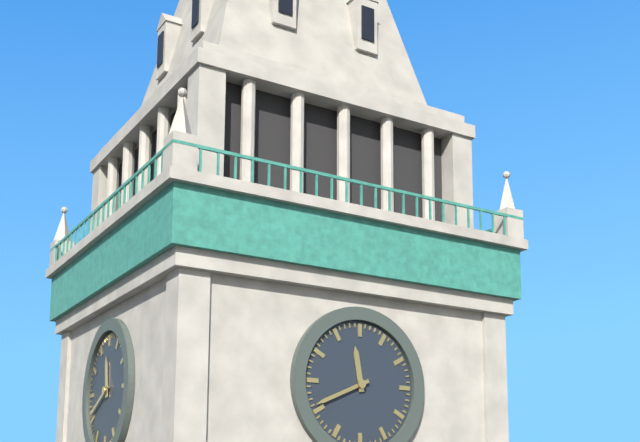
11,41
